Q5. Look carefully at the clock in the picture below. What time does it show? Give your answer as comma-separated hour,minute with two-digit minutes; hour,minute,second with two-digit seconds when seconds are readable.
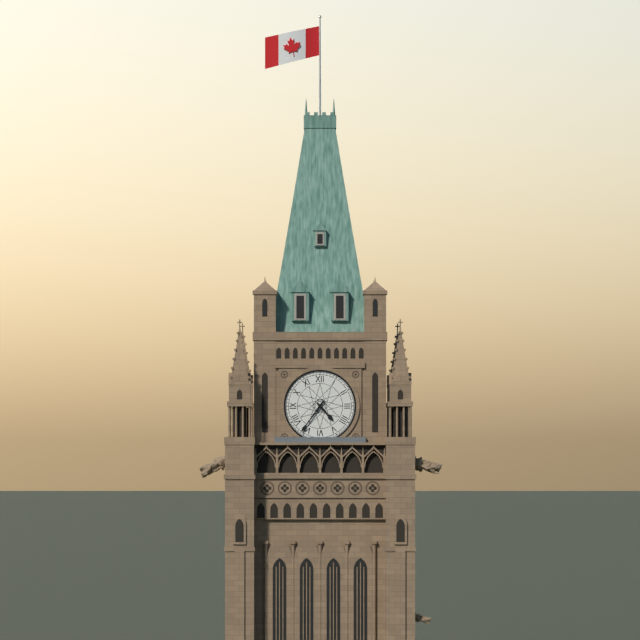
4,36
